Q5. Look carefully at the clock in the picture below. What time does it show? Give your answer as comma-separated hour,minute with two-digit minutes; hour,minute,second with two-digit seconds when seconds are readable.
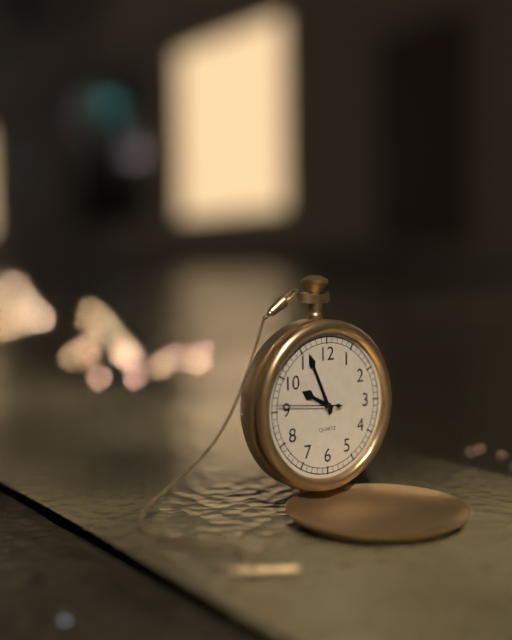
9,56,46
